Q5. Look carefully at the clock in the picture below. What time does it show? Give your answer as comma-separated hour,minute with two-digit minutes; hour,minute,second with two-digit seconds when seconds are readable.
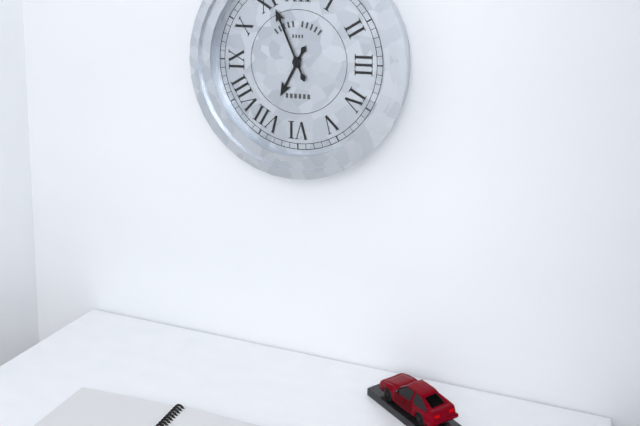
6,56
